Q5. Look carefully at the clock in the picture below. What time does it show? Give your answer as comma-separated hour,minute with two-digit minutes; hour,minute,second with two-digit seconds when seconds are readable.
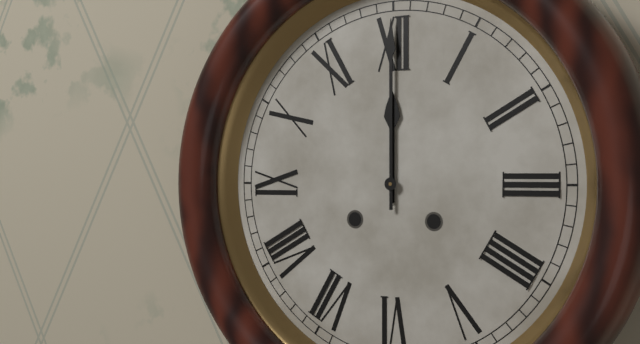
12,00
